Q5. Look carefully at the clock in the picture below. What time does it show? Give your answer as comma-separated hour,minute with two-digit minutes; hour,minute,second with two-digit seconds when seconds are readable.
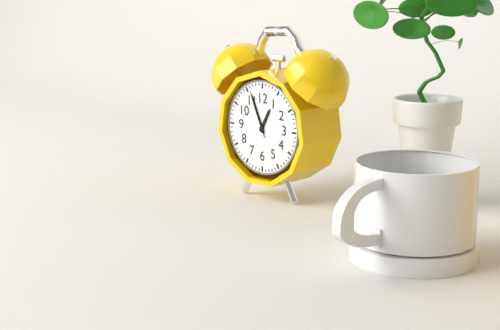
12,56,56
